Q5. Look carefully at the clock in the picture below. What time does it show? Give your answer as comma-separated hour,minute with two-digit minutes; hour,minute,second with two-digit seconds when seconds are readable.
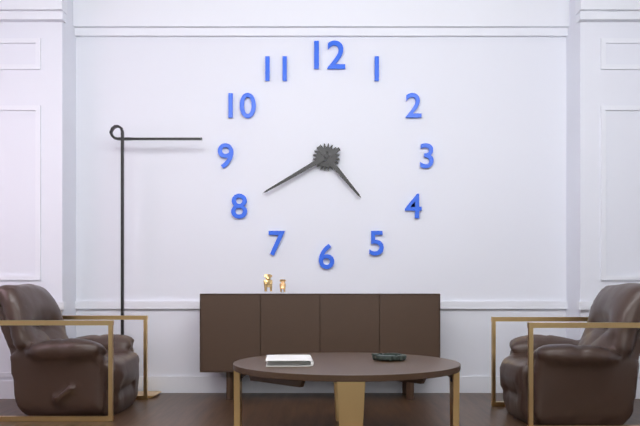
4,40
